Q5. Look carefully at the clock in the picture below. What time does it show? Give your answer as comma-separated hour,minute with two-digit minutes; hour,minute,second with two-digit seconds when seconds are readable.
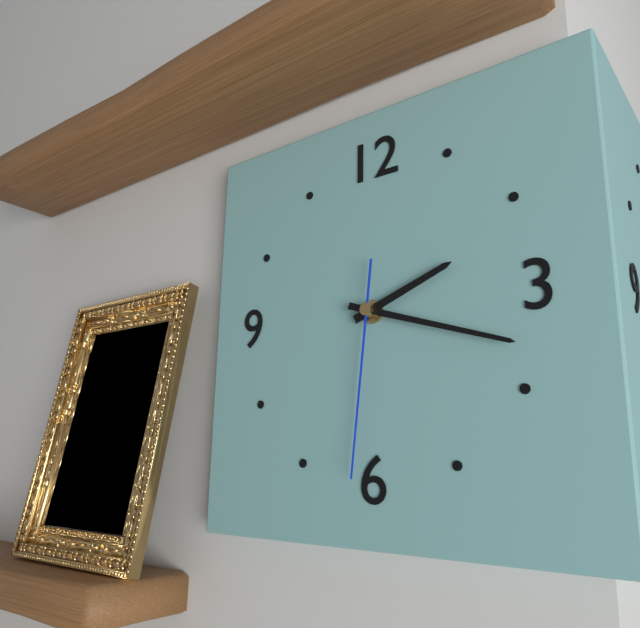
2,18,31
